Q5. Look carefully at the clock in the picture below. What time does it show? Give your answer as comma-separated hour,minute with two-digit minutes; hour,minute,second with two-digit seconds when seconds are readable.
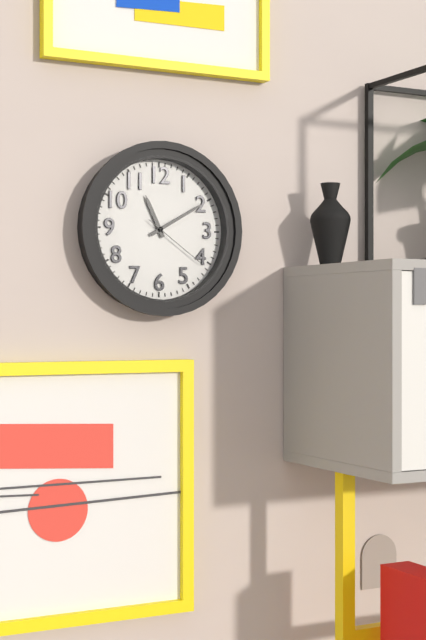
11,10,21
